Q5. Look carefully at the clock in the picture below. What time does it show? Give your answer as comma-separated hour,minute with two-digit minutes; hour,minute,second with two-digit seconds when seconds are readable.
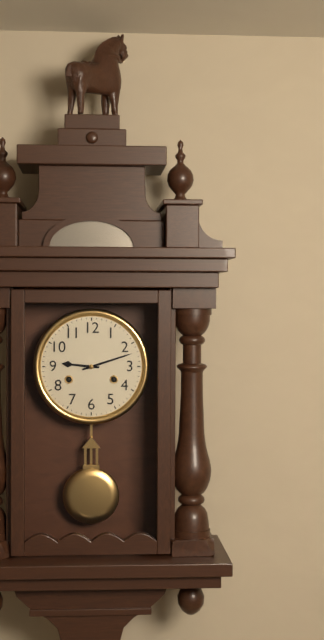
9,12
